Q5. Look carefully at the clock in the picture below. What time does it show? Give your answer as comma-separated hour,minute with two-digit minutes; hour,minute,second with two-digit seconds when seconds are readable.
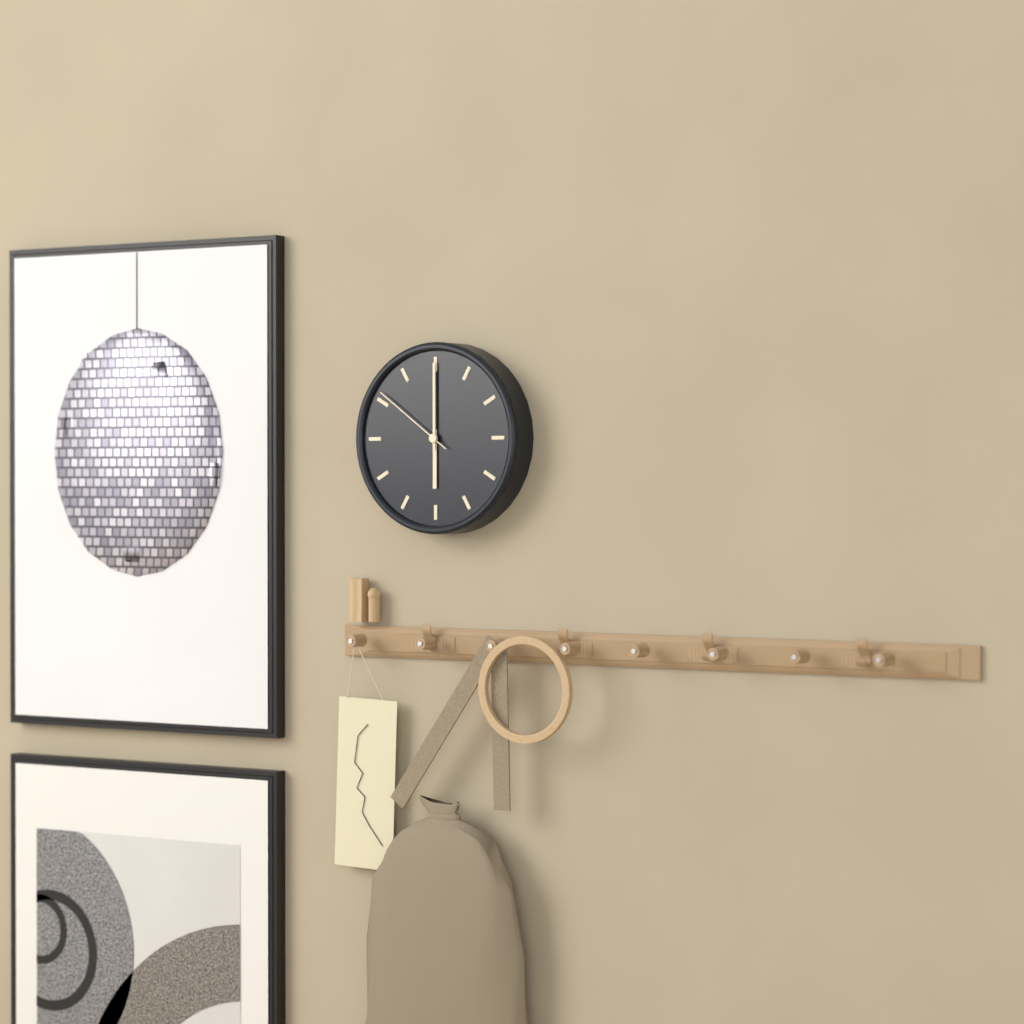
6,00,51
